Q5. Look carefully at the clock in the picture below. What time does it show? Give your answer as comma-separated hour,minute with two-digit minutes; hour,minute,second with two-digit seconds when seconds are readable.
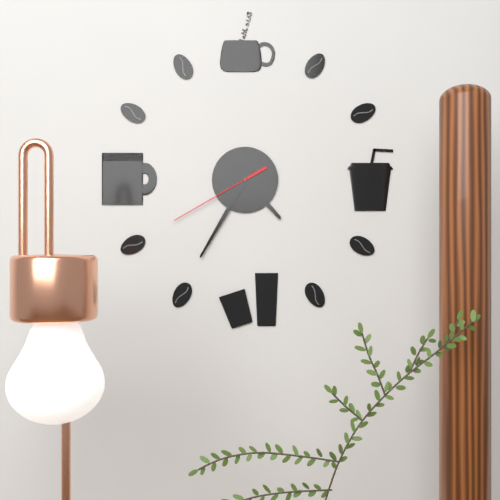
4,35,40
